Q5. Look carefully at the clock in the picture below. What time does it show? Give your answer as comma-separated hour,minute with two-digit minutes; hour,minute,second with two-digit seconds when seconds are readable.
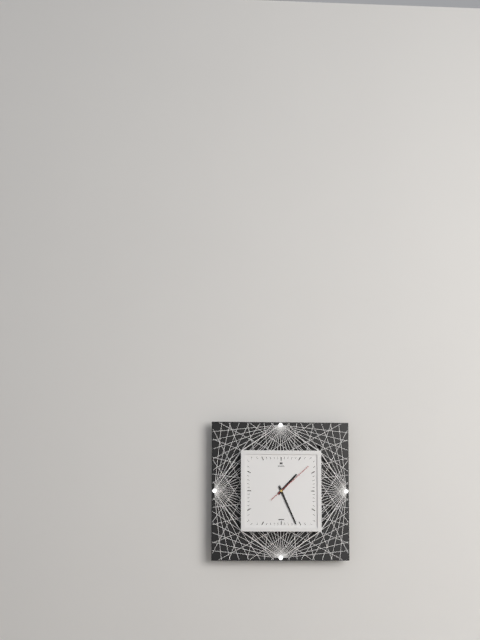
1,26
